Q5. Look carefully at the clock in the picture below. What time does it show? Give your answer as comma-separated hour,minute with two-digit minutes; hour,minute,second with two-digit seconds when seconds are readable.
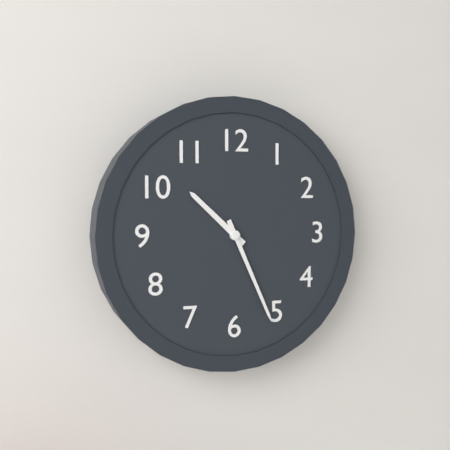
10,26
